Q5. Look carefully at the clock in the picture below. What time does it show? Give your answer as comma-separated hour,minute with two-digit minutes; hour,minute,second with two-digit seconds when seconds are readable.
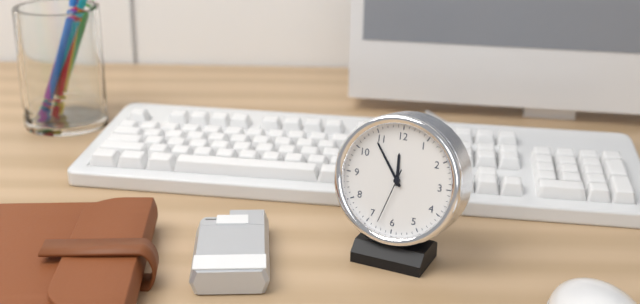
11,54,33
